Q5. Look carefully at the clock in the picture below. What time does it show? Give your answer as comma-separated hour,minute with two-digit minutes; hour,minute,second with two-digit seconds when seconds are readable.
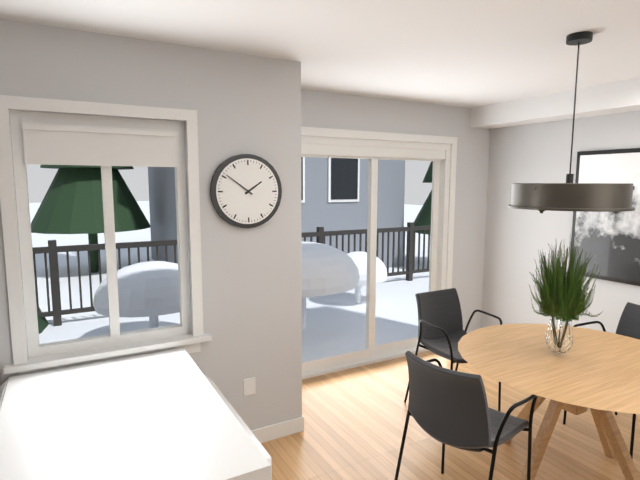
1,51
